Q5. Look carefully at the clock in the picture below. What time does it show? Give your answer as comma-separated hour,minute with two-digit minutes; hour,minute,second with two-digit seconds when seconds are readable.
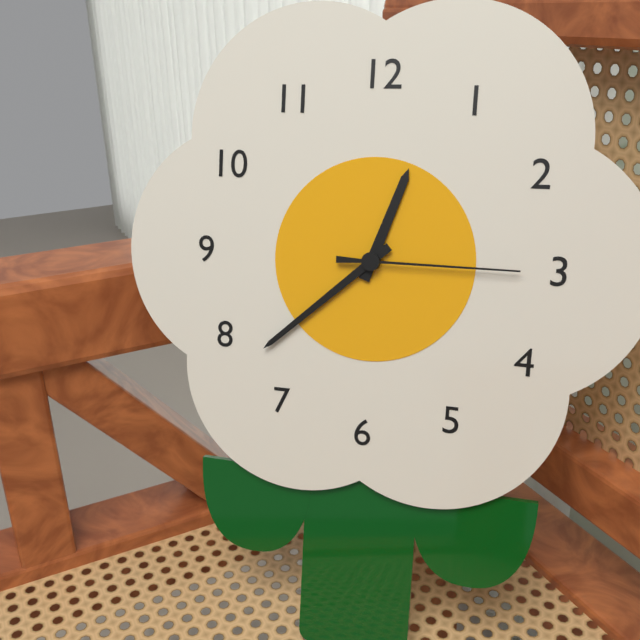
12,38,15
